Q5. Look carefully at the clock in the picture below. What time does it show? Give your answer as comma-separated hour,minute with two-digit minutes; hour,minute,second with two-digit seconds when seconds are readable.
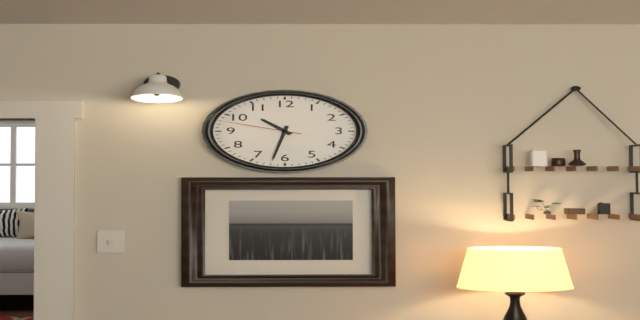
10,32,48
